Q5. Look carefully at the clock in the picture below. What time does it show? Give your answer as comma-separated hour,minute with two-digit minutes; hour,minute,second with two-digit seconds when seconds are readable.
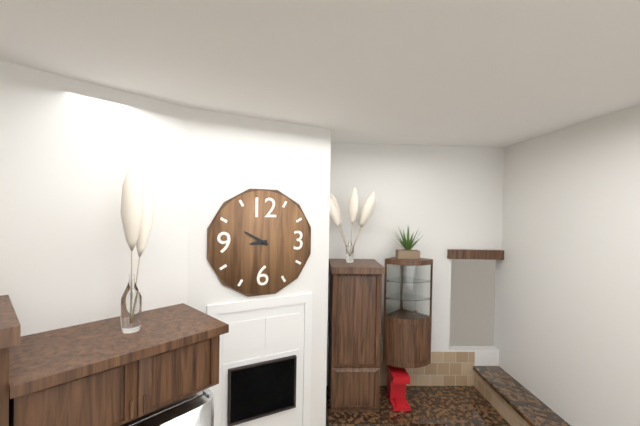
8,50
